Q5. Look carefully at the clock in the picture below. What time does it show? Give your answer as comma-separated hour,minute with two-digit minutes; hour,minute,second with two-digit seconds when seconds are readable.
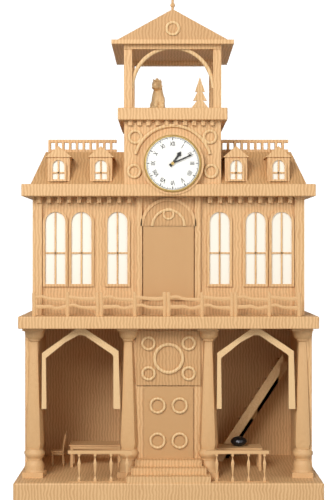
1,11
